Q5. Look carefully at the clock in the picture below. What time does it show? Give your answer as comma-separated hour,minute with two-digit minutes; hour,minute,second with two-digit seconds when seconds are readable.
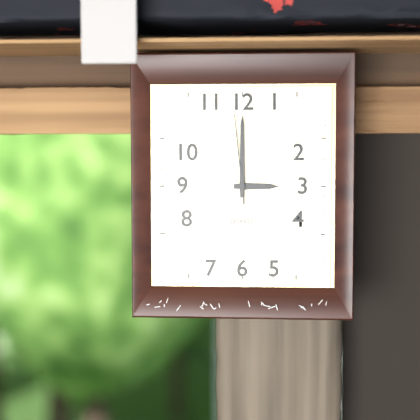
3,00,59
